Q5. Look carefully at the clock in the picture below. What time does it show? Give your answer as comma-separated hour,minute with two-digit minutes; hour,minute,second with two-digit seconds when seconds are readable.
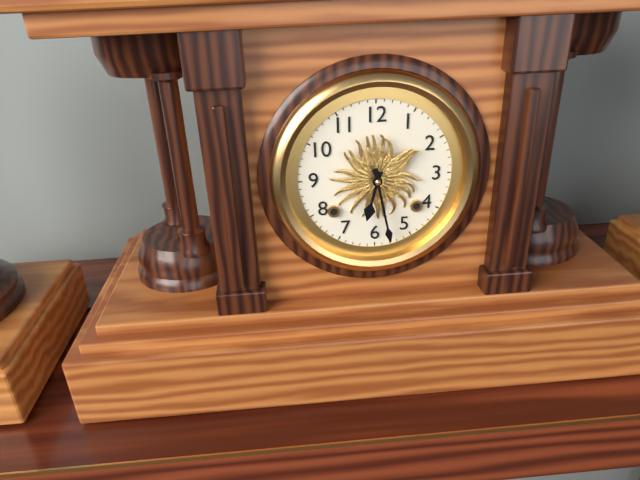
6,28
